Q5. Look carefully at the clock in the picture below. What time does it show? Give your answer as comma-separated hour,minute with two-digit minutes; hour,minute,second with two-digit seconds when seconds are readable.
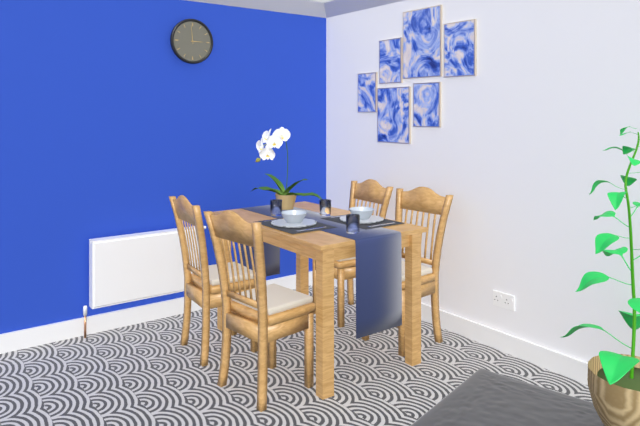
2,59
